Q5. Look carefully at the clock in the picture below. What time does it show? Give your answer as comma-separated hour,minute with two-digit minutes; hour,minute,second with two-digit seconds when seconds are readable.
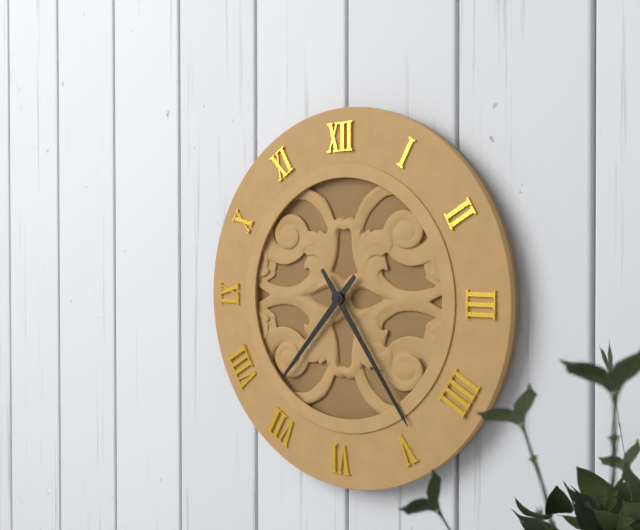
7,24
